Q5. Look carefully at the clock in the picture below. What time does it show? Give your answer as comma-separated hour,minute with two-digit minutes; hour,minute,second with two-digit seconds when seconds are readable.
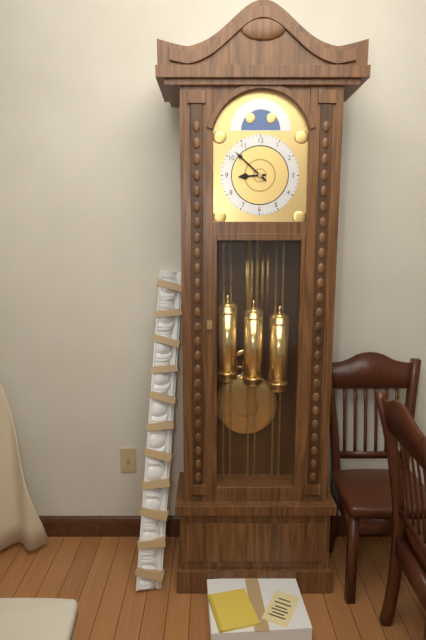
8,52
